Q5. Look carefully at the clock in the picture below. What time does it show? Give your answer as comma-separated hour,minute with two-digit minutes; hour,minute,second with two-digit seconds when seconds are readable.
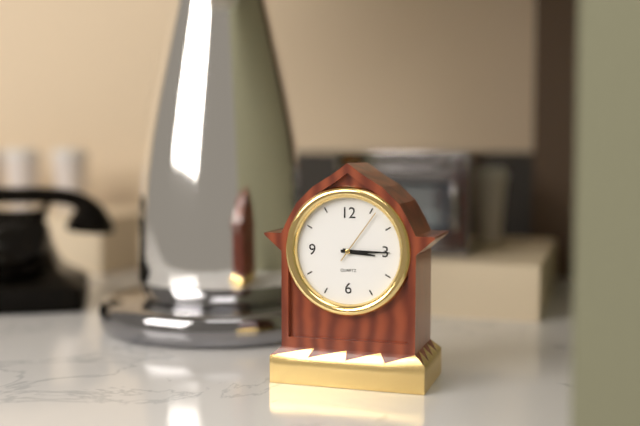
3,15,06
